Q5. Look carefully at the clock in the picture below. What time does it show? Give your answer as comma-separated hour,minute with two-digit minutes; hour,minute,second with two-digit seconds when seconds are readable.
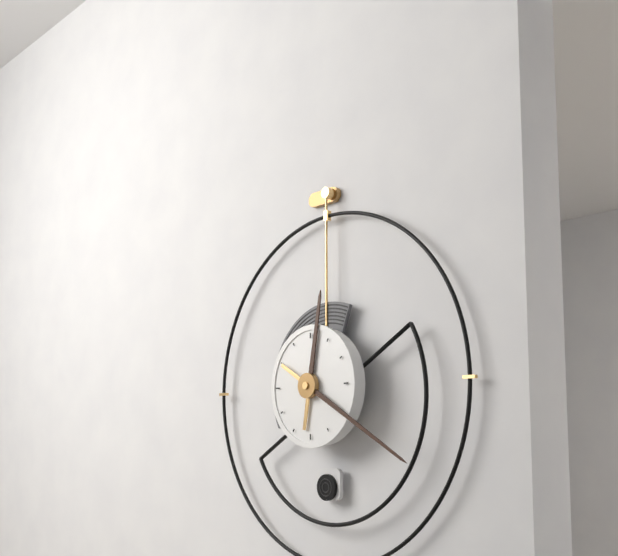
12,20
